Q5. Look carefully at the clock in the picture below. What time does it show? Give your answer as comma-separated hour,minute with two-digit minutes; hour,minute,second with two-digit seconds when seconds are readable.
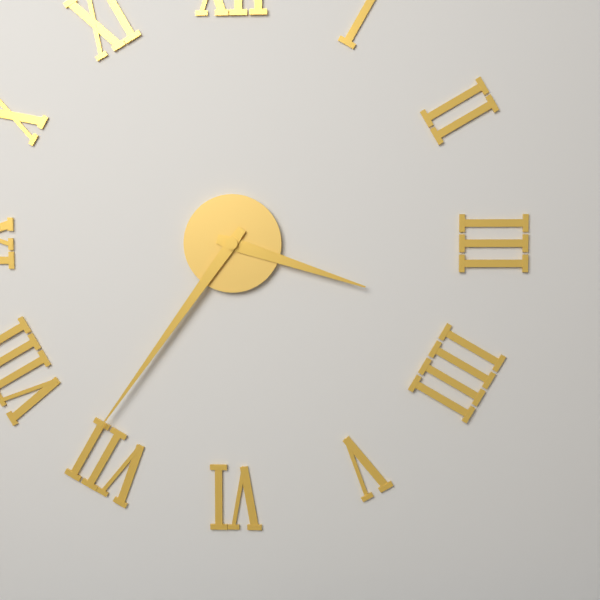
3,36
